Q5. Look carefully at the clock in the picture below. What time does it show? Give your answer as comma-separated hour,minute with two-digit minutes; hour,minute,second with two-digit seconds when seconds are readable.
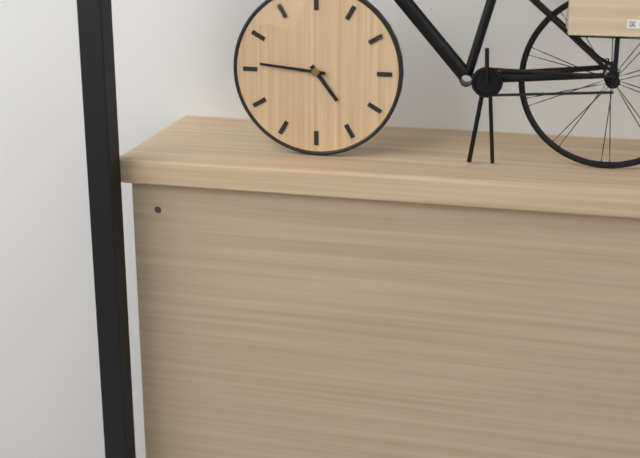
4,46
